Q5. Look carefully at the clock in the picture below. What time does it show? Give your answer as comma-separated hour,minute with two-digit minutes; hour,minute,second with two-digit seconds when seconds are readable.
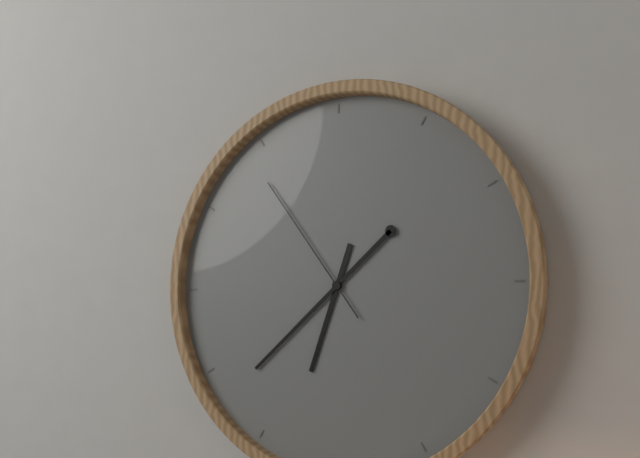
6,38,54
